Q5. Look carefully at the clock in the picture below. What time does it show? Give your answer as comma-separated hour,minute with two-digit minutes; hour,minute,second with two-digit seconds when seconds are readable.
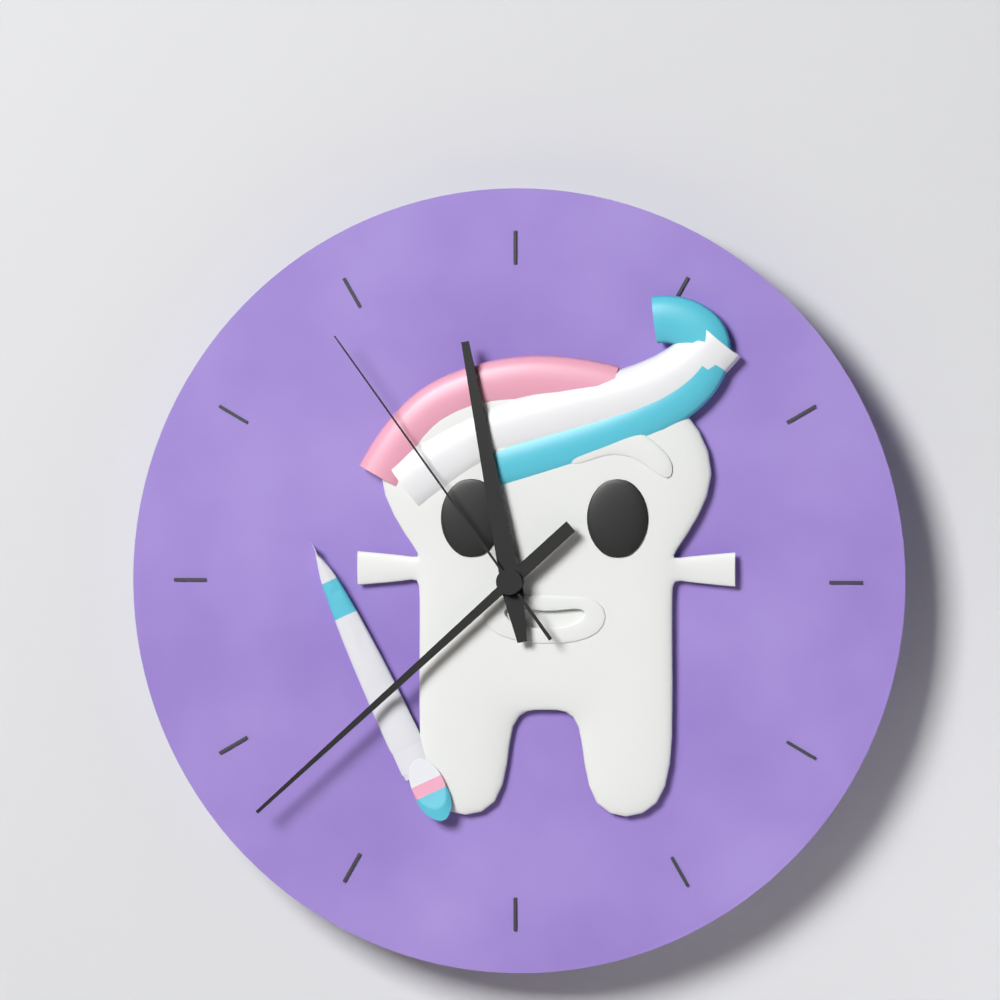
11,38,54
